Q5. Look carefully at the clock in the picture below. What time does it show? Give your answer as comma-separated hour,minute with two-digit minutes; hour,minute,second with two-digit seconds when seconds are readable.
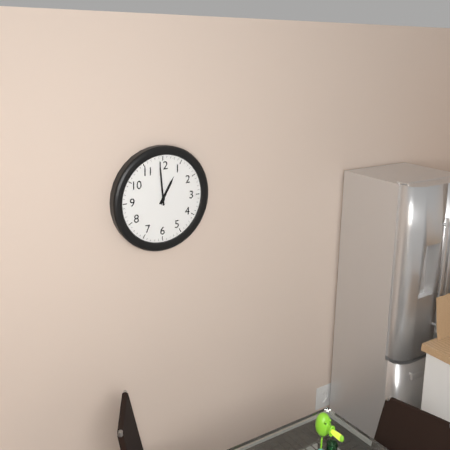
12,59
